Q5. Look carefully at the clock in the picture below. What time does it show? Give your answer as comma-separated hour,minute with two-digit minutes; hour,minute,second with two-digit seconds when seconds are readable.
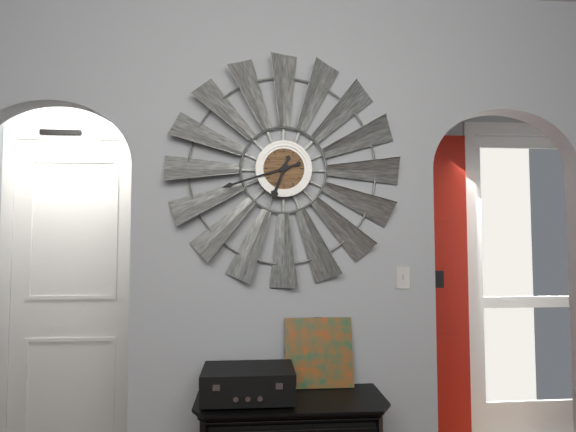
6,42
